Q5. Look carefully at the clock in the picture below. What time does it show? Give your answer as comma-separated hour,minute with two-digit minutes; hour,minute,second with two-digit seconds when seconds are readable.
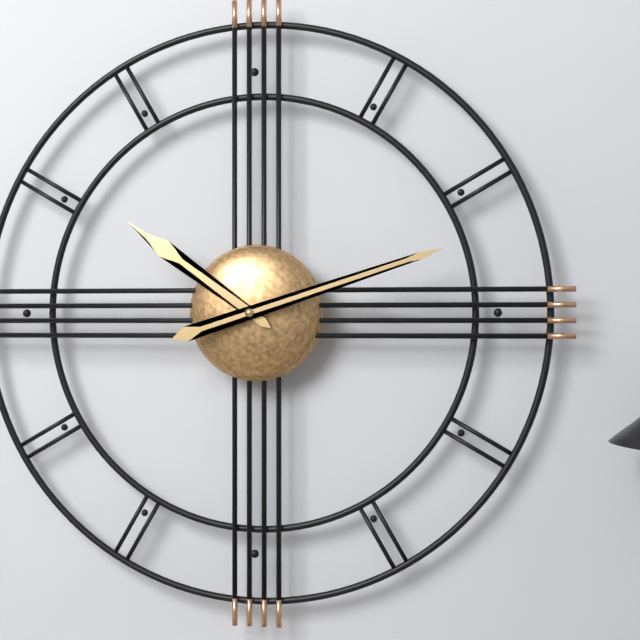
10,12
